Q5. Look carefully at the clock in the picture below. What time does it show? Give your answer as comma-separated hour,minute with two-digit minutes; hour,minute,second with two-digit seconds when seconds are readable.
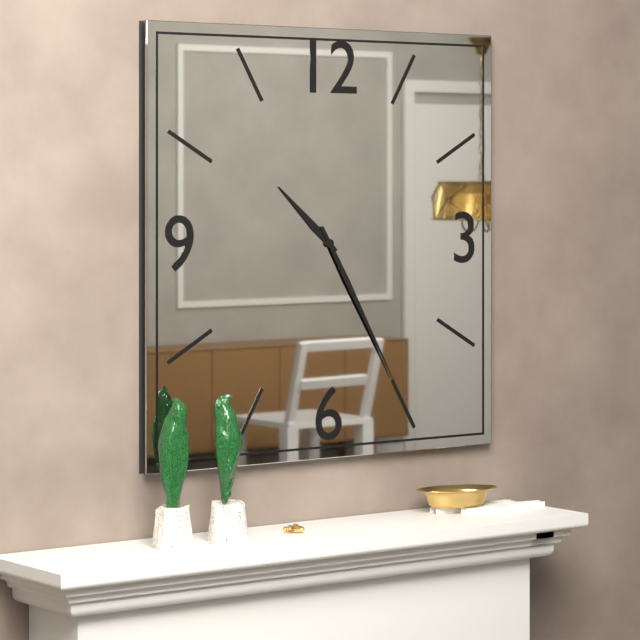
10,25
